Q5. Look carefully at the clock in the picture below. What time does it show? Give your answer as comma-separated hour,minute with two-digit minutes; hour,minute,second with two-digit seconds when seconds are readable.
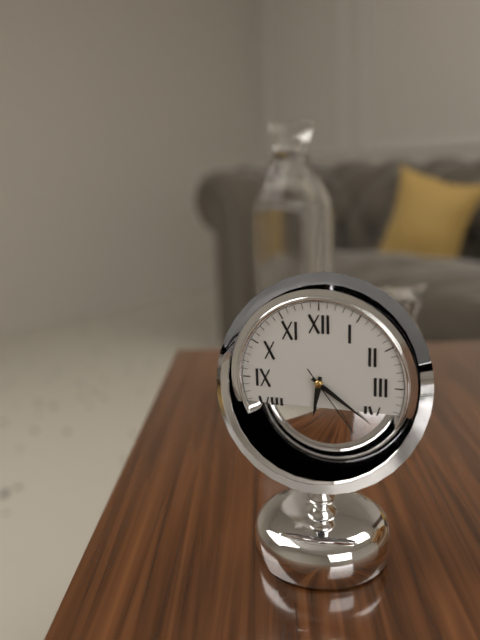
6,21,24
